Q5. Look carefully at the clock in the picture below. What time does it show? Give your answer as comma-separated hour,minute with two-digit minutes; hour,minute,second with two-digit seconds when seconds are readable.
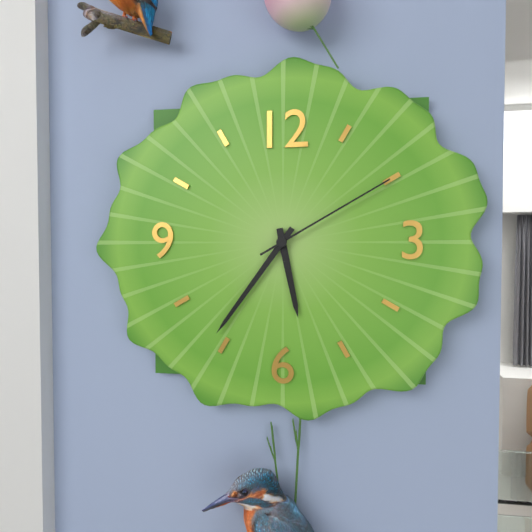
5,36,10
